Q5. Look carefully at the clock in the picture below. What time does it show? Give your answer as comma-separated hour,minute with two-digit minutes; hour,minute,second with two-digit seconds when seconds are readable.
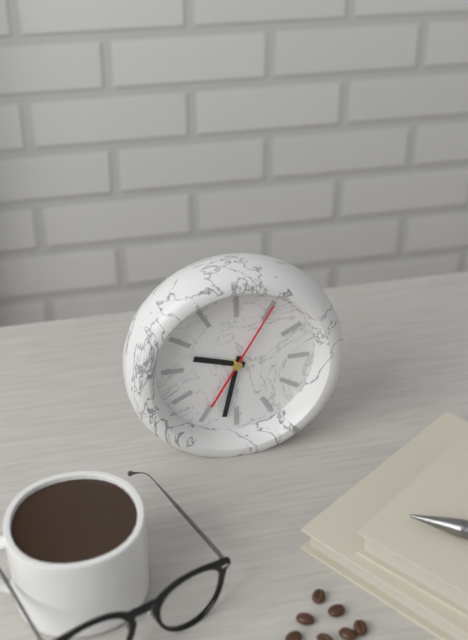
9,32,05
